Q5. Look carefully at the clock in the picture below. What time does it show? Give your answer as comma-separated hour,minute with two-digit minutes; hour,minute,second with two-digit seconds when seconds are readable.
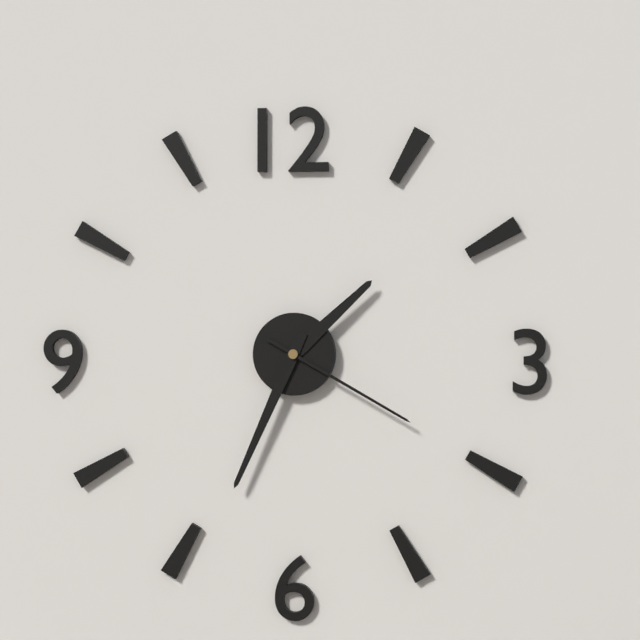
1,34,20
